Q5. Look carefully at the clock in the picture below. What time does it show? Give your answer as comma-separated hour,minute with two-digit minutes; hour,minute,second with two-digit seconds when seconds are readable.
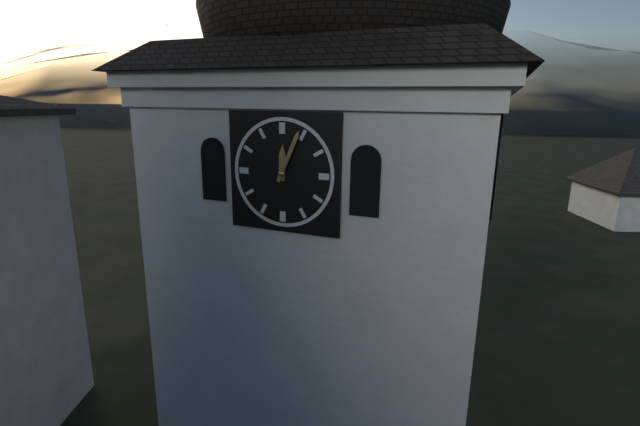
12,04
